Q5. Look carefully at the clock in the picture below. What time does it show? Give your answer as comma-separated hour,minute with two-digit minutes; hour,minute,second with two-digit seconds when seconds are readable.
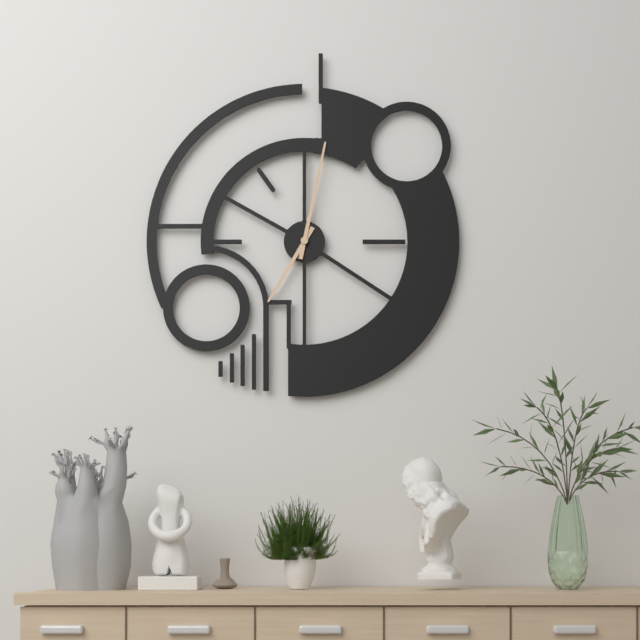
7,02
